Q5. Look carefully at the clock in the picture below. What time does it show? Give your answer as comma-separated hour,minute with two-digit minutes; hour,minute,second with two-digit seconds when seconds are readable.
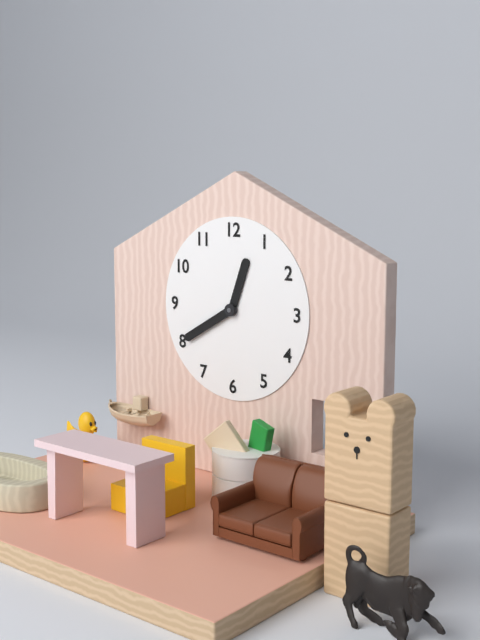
12,40
